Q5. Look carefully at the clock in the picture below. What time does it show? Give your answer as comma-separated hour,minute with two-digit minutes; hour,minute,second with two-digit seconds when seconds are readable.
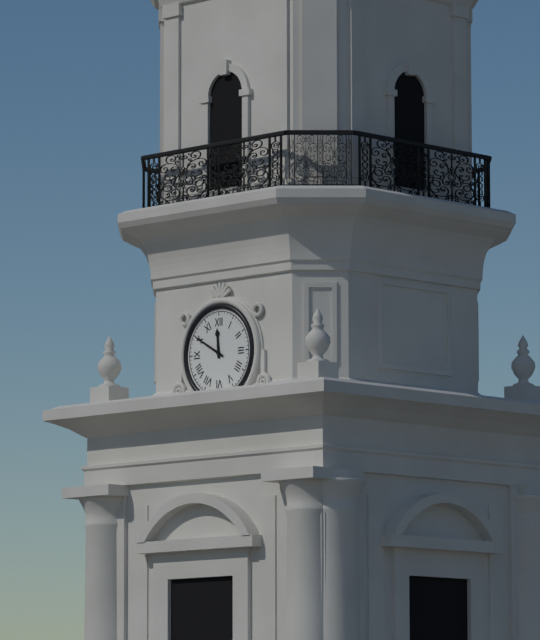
11,50
